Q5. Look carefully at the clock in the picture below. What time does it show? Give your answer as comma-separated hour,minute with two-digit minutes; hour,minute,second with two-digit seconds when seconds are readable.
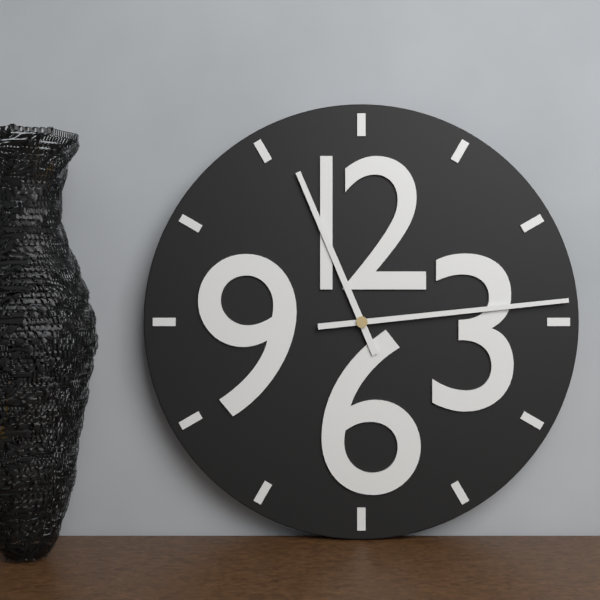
11,14
